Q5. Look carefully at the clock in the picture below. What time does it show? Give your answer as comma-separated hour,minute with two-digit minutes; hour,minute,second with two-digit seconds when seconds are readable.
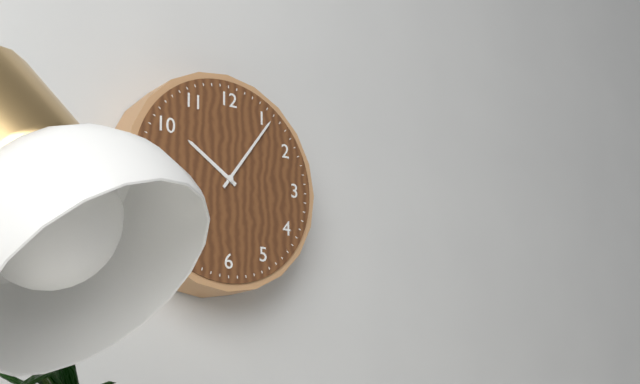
10,06
